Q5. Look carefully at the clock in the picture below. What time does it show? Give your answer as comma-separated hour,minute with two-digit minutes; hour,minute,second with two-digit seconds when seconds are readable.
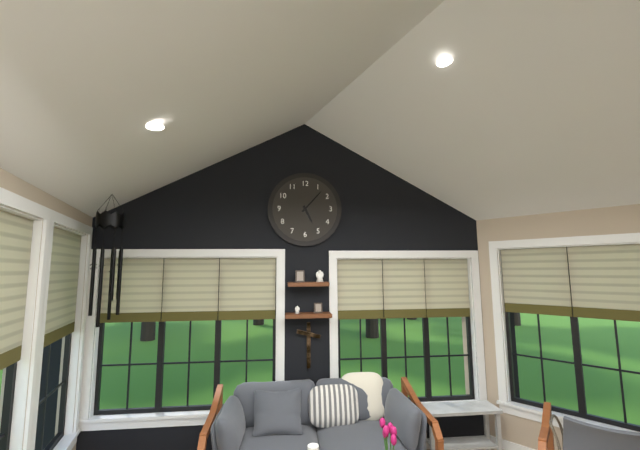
5,07
